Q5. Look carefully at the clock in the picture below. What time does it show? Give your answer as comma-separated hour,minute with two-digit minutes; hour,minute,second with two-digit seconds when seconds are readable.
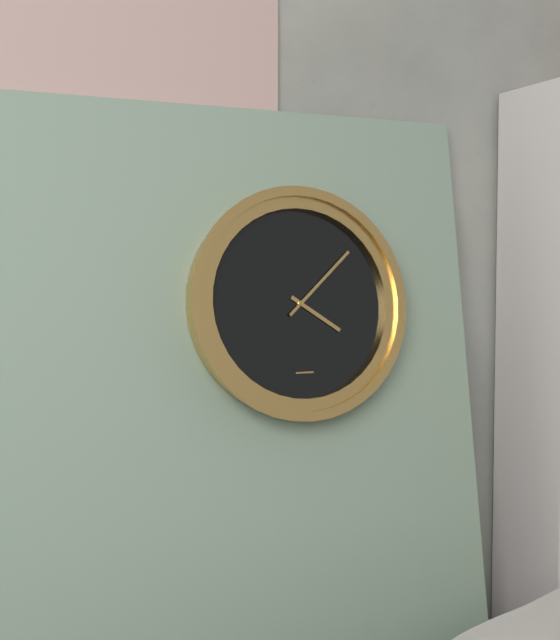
4,08
